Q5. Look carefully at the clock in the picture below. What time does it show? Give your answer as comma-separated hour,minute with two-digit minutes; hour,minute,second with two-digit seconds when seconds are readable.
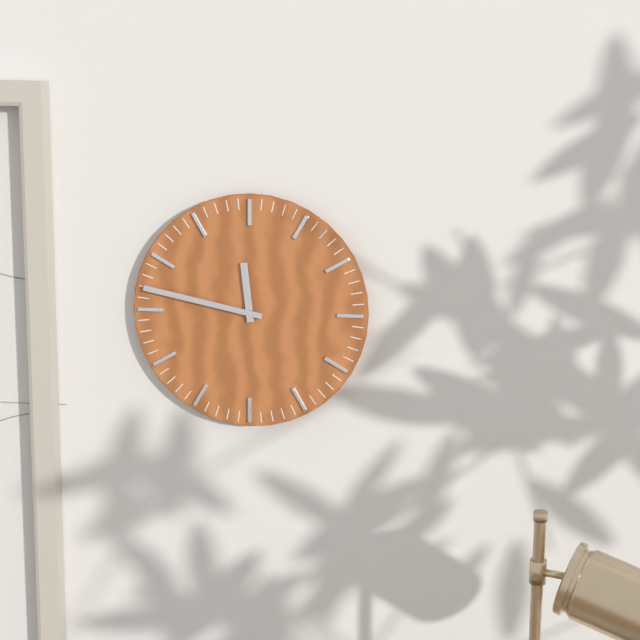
11,47
